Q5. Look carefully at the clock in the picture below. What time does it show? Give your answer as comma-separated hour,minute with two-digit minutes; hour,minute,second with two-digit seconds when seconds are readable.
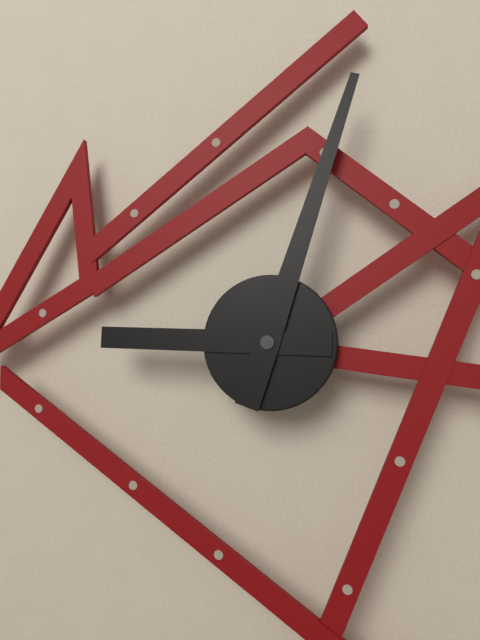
9,03
